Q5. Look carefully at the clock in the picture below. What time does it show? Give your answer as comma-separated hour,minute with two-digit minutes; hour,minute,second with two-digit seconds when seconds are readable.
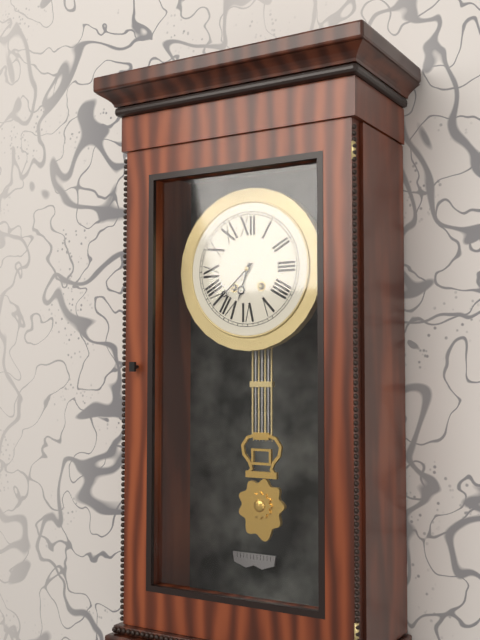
6,38
